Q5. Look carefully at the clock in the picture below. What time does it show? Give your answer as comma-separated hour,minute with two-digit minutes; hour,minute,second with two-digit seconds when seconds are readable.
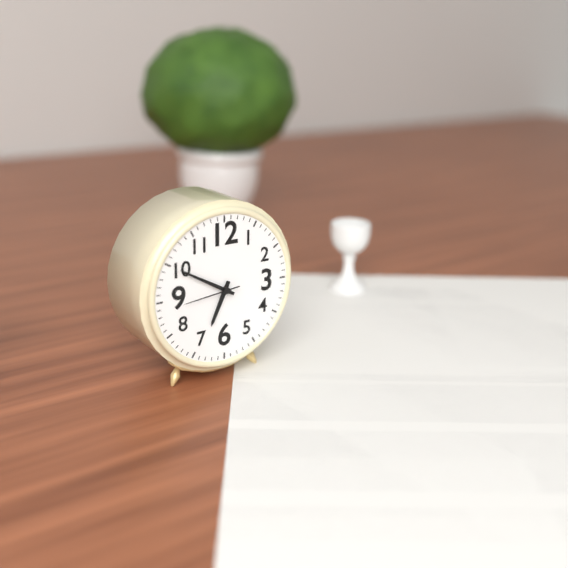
6,50,44
